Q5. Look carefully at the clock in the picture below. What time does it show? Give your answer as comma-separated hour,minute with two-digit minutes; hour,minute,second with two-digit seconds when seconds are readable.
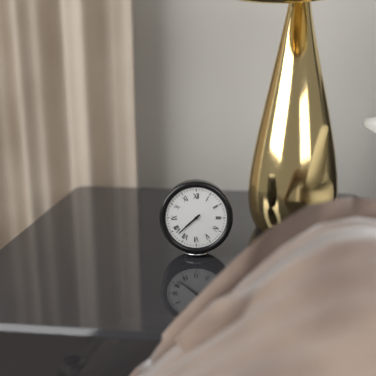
7,38
